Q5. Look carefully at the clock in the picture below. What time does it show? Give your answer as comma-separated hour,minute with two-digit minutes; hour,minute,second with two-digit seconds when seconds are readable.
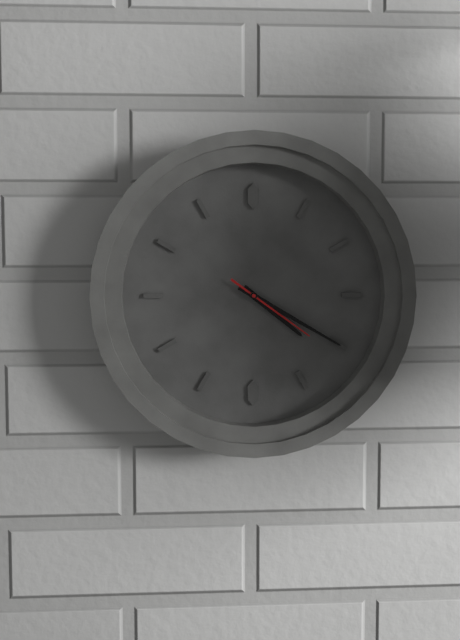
4,20,21
